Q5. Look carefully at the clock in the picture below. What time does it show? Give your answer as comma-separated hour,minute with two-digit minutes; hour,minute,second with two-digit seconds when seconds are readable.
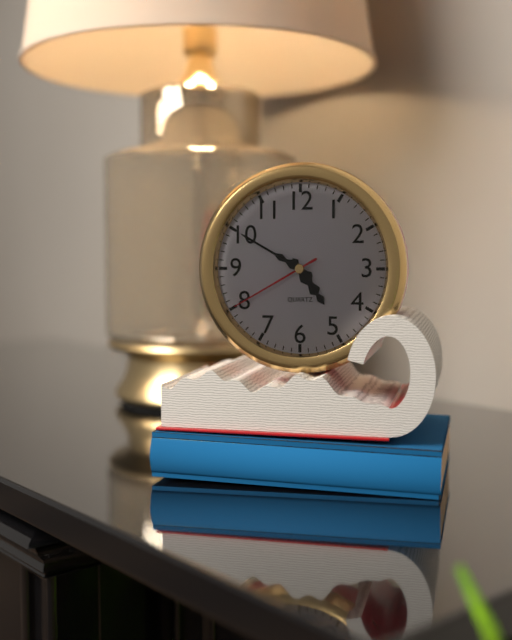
4,50,40
